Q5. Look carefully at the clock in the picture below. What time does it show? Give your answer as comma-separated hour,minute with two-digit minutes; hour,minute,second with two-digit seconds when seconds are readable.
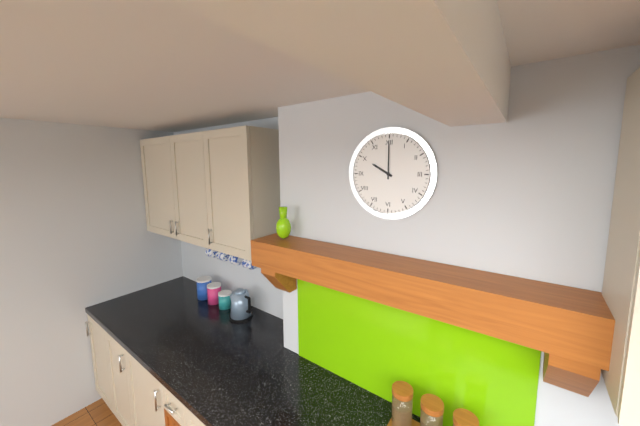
10,00
